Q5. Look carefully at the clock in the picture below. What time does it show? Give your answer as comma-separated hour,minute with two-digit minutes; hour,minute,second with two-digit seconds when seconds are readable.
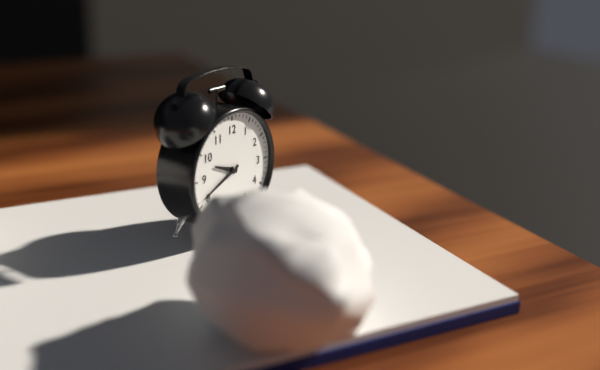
9,41
